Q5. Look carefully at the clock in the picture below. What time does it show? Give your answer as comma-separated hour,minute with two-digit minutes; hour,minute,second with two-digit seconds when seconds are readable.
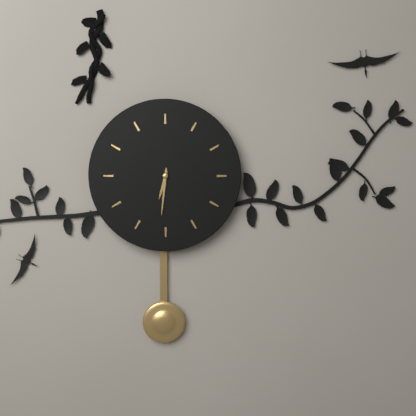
6,31
